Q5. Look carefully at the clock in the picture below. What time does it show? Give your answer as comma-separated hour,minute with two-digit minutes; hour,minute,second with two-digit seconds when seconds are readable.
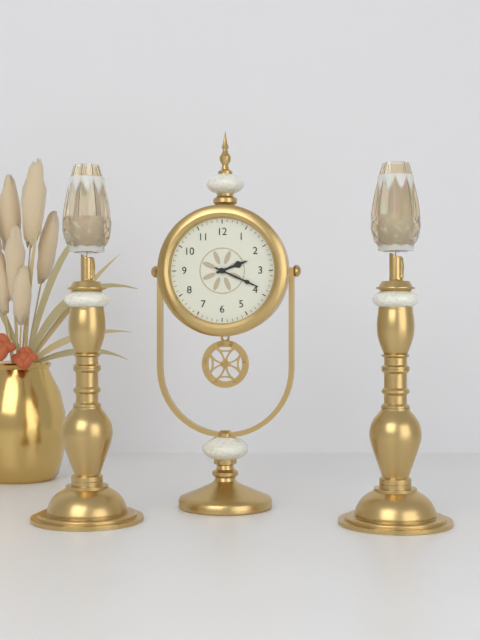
2,19
